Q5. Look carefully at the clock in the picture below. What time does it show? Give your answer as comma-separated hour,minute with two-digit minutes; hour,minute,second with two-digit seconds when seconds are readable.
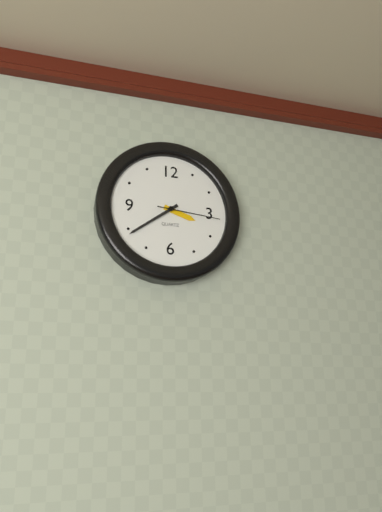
3,39,16
